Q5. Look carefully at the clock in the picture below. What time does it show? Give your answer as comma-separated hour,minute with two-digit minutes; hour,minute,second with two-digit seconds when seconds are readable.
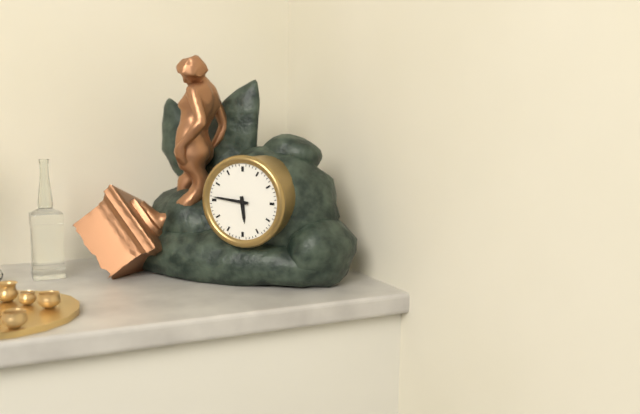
5,46
